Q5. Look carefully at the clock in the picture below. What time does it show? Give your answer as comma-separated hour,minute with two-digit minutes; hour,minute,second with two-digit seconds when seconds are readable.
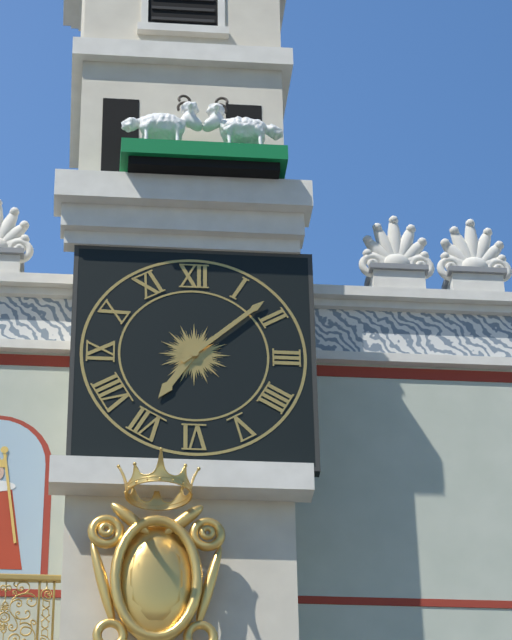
7,08
